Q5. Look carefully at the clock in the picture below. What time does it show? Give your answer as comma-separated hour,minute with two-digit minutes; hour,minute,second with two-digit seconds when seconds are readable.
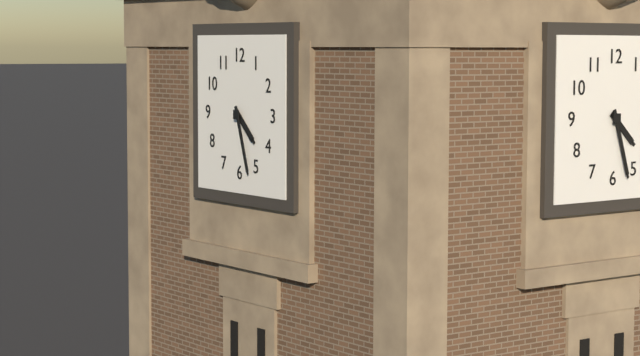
4,27
